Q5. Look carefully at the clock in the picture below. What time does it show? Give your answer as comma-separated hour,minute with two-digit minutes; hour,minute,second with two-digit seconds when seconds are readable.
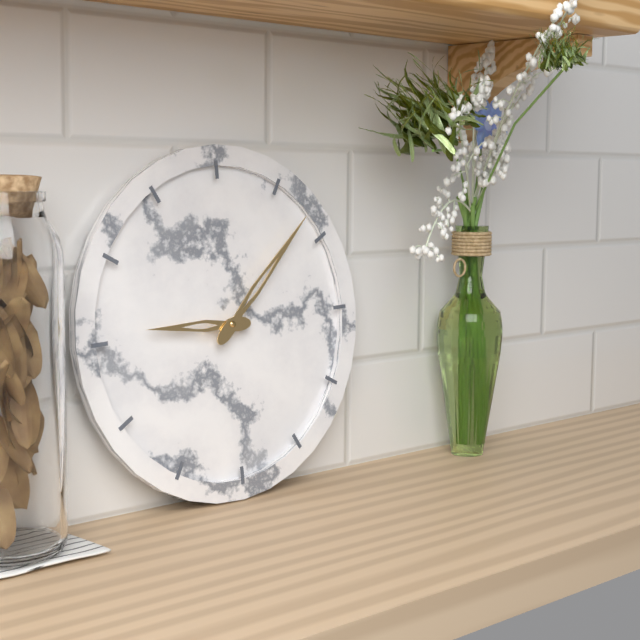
9,08
